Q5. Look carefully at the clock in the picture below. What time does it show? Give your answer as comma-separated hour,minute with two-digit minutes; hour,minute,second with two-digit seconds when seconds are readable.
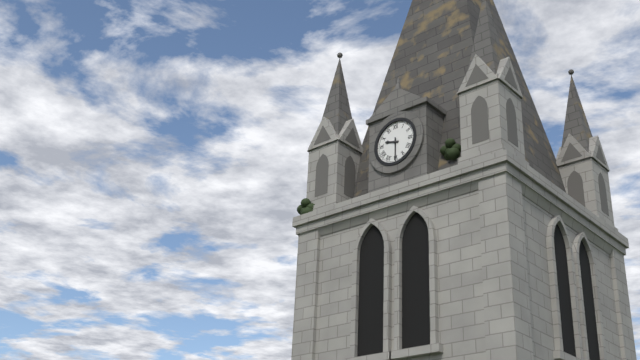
9,30
